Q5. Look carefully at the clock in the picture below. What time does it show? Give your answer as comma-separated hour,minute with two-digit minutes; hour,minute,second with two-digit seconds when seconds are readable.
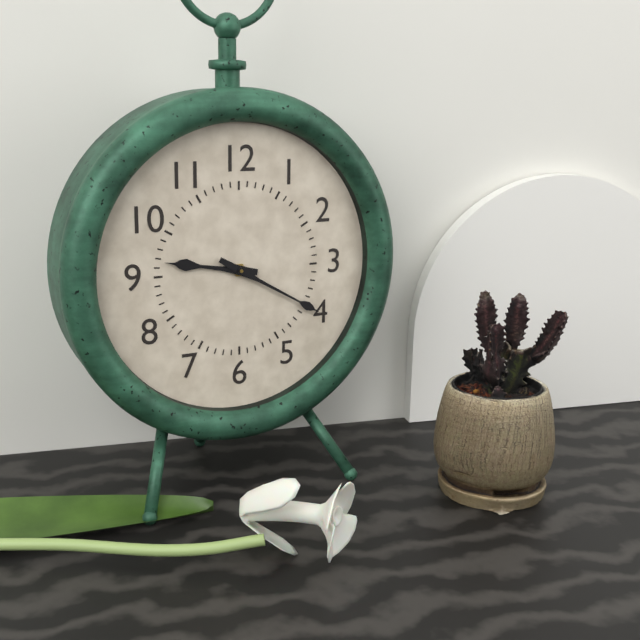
9,20
